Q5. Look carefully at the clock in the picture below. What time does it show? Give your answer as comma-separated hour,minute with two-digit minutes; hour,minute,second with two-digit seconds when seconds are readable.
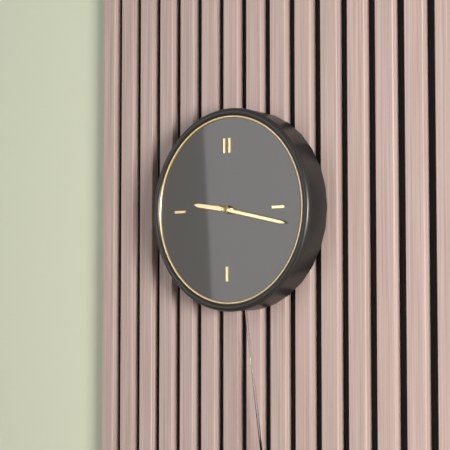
9,17
